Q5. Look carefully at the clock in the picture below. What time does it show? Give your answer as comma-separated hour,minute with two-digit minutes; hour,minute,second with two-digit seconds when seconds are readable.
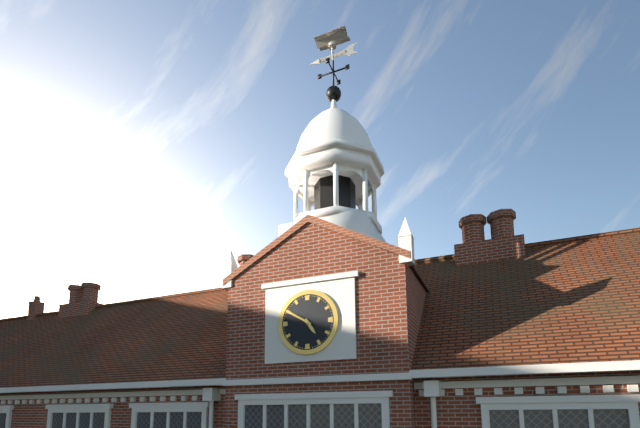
4,50
